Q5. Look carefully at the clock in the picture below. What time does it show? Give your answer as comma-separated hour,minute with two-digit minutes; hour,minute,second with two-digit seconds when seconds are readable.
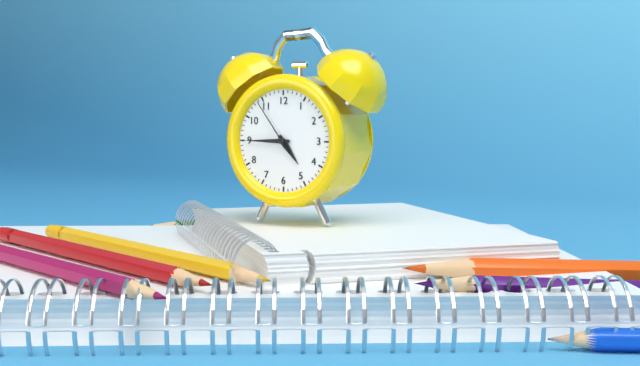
4,45,54
